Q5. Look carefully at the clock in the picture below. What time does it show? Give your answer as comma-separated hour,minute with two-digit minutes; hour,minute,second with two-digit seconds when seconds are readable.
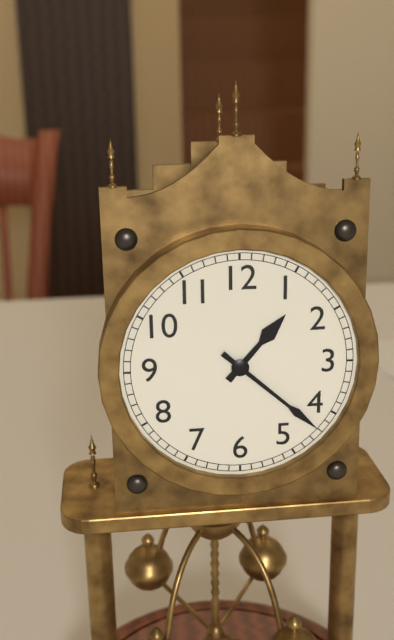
1,22
